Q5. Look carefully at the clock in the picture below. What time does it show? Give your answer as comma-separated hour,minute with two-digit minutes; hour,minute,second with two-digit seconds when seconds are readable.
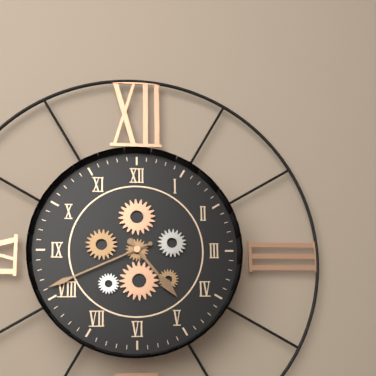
4,41
